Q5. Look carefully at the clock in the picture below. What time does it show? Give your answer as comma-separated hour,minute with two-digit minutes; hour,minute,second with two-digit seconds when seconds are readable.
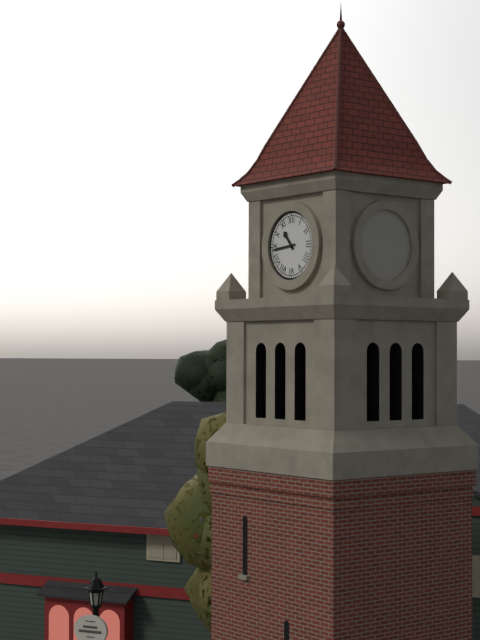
10,44
